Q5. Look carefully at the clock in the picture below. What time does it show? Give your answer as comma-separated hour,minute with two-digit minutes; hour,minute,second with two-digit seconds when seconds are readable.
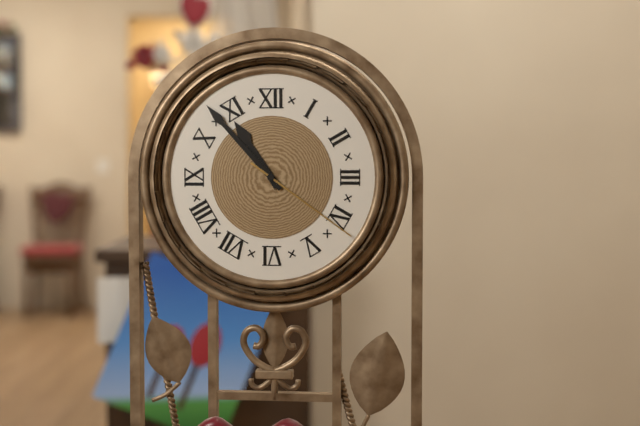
10,53,21
